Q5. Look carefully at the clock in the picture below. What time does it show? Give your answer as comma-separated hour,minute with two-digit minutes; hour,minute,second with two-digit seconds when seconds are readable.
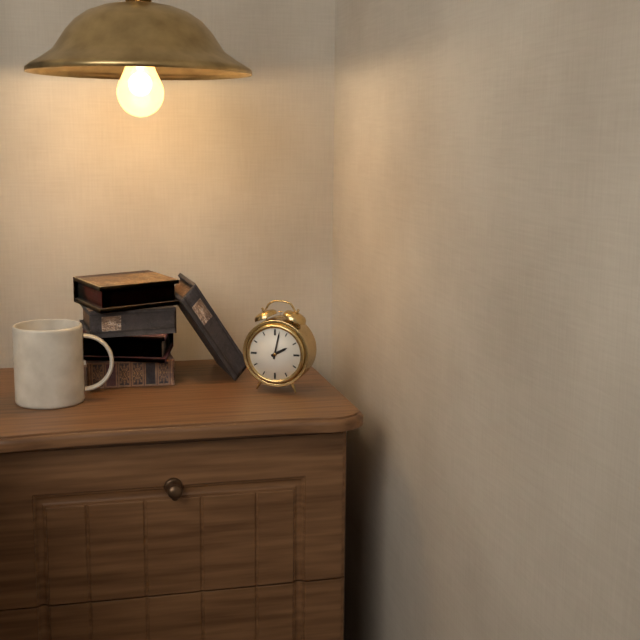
2,02
